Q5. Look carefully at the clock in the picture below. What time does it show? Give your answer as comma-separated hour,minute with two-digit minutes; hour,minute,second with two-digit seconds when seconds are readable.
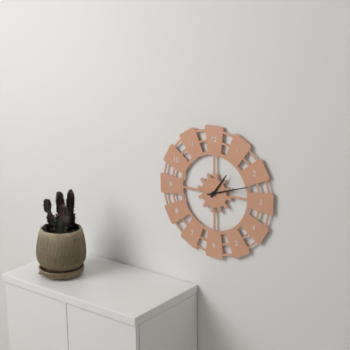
1,12
